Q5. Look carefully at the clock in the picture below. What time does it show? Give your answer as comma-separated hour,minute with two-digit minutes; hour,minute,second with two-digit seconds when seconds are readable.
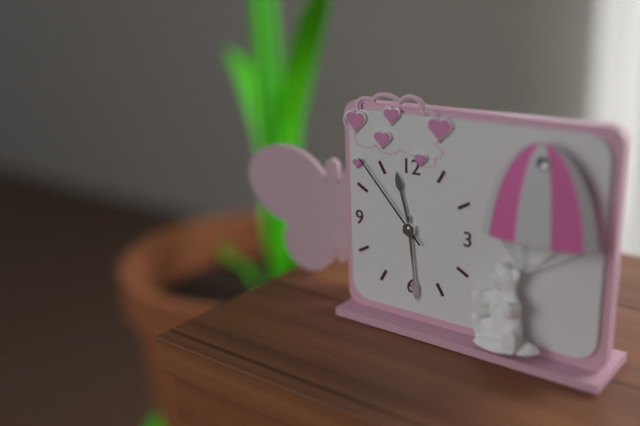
11,29,53
